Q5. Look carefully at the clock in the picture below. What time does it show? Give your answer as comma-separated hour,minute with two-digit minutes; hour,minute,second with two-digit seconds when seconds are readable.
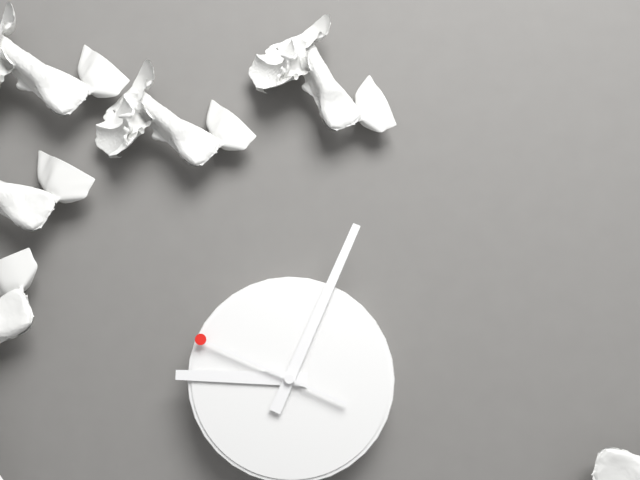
9,04,49
